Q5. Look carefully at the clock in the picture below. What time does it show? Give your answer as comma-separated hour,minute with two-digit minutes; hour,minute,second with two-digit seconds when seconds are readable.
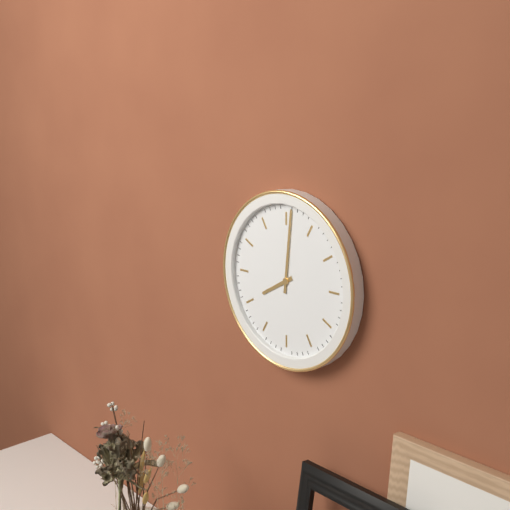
8,01
